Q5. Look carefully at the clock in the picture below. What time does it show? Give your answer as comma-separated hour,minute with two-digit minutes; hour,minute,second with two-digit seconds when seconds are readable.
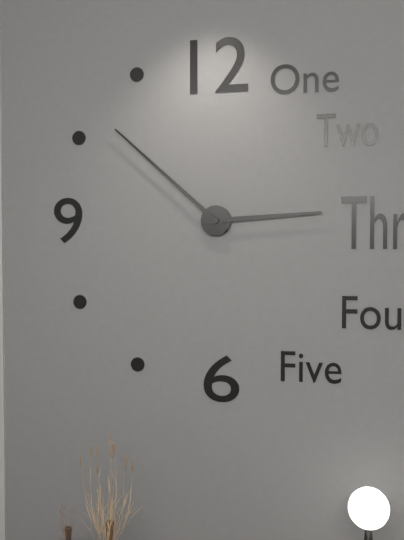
2,52
